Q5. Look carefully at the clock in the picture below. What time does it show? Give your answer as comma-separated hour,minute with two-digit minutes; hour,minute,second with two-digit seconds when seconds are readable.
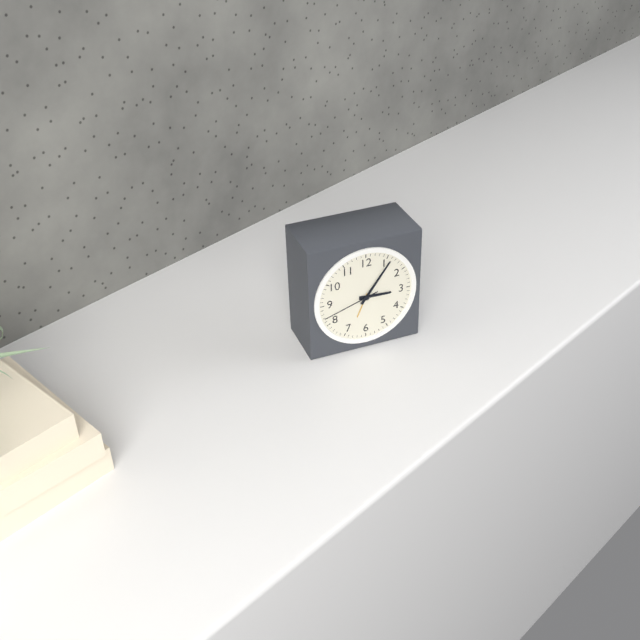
3,06,42
